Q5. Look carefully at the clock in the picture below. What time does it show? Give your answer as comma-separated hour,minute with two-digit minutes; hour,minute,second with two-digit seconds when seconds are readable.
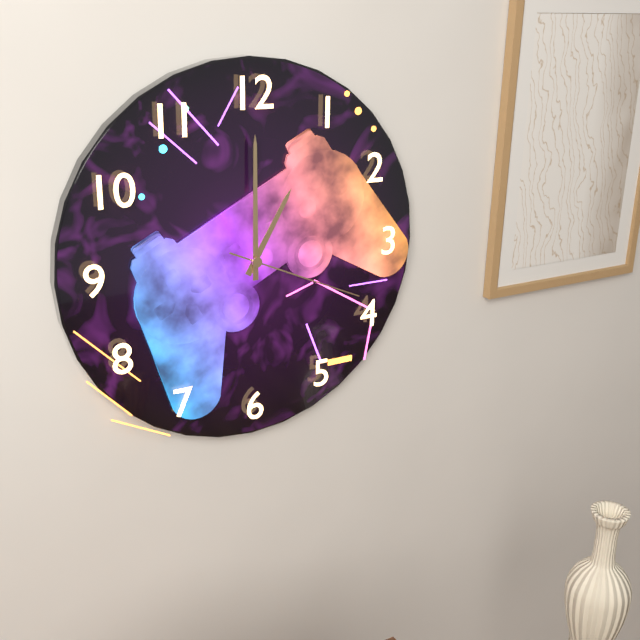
1,00,19
